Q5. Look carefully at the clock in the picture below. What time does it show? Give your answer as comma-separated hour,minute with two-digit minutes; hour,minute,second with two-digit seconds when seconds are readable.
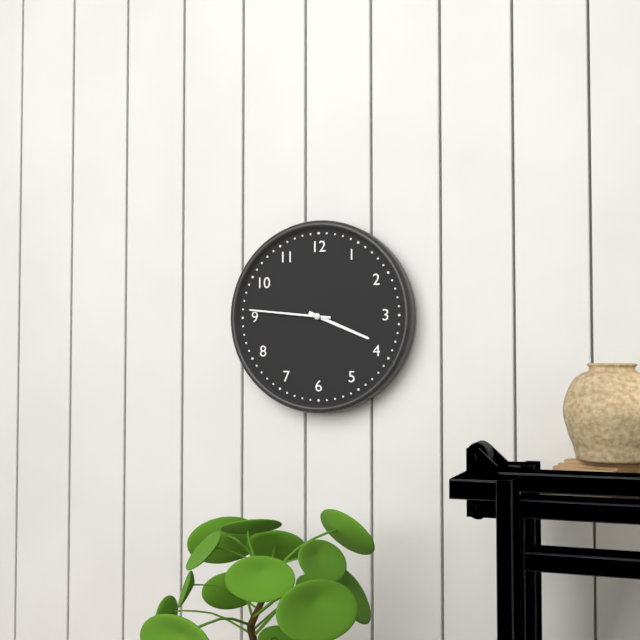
3,46
